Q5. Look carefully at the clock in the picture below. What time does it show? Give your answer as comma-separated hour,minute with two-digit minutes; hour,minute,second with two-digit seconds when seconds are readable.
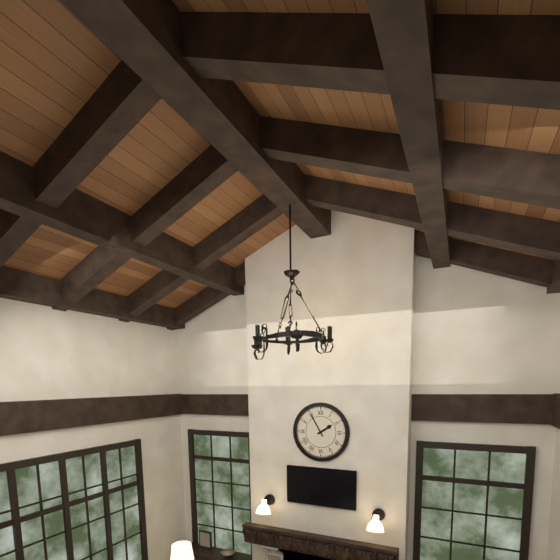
1,55
